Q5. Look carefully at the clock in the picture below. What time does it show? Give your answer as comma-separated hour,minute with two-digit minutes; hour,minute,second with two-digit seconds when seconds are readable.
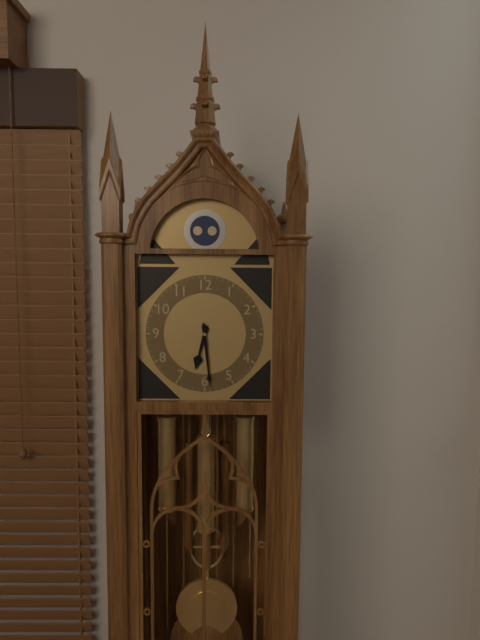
6,29
